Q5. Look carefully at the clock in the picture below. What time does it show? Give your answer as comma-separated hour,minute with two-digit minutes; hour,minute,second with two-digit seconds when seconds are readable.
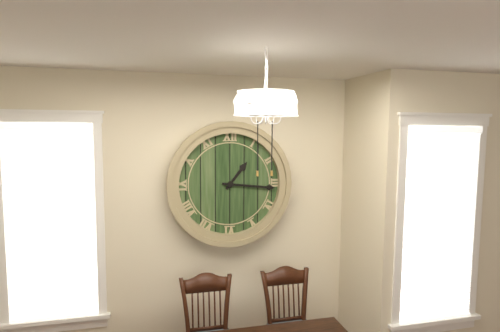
1,16
